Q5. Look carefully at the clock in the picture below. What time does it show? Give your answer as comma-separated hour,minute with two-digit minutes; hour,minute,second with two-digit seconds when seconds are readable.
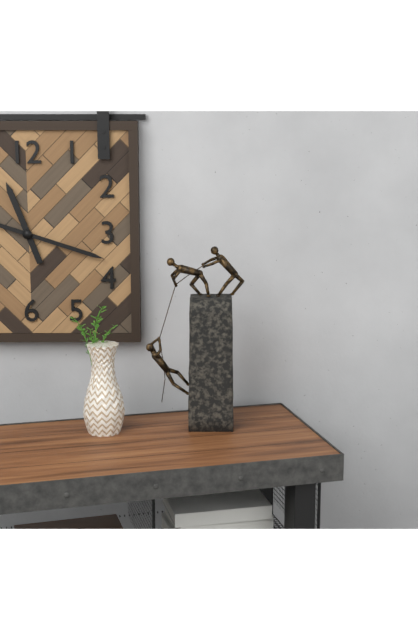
11,18
